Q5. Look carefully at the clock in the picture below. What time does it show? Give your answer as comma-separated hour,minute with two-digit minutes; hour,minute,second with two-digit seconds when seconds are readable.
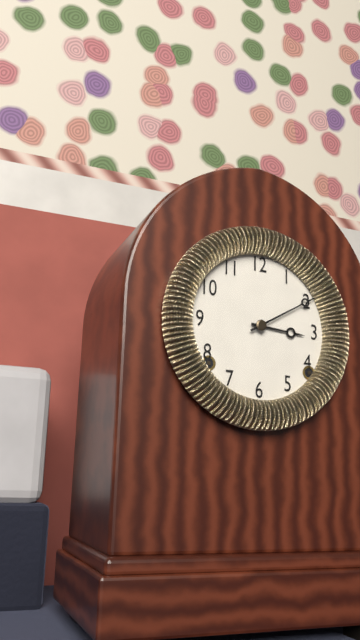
3,10
